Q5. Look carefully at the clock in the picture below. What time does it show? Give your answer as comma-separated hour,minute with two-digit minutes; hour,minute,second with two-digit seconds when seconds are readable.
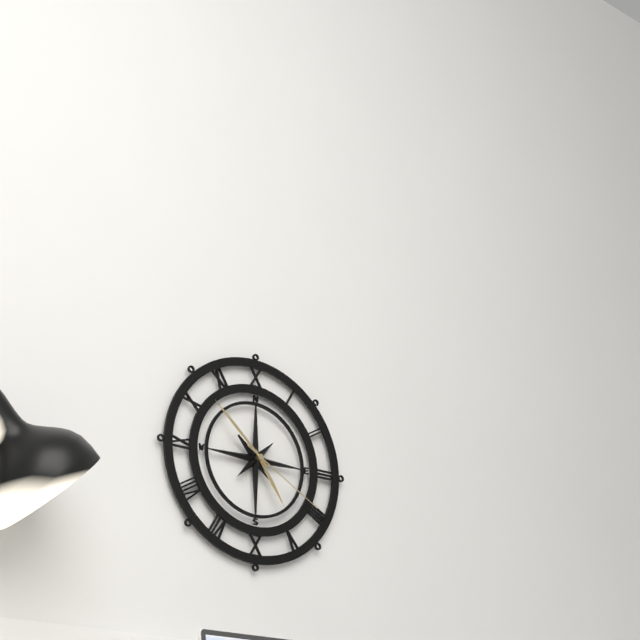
4,52,20
